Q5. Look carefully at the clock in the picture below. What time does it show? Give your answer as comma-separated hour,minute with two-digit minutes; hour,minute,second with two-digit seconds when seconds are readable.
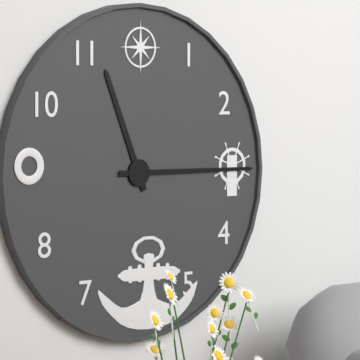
11,15
